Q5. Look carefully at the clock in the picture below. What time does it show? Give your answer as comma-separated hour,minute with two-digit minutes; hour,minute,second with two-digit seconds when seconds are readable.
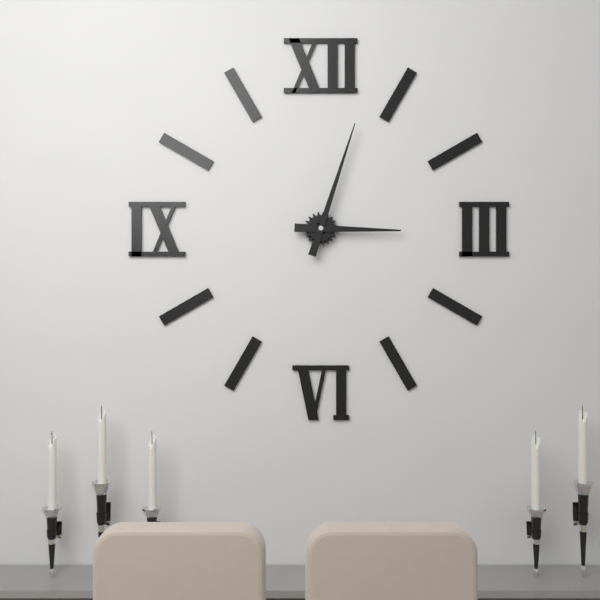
3,03
